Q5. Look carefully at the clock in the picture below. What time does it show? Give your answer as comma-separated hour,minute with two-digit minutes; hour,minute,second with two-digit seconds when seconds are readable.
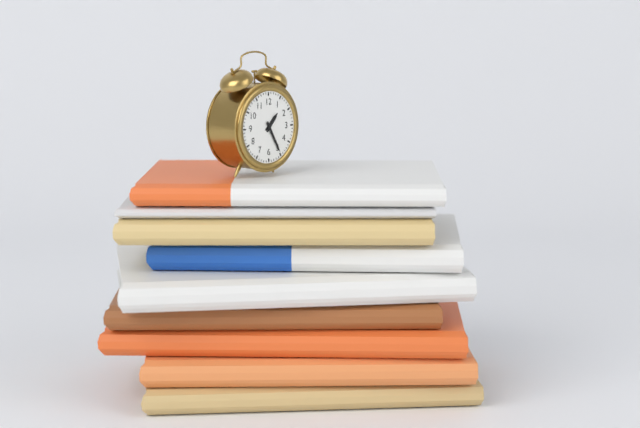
1,25
